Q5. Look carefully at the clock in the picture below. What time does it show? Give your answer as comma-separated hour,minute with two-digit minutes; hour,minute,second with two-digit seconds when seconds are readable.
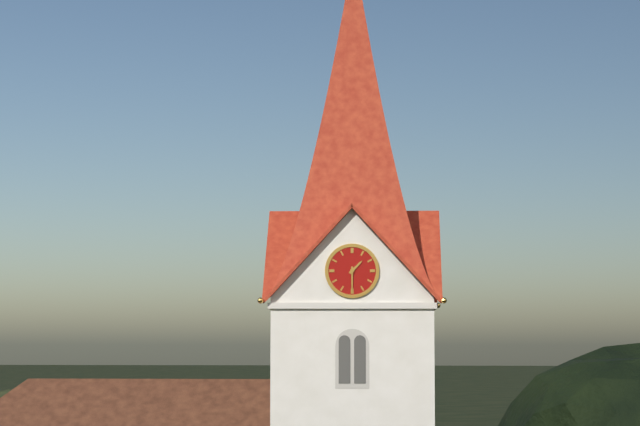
1,30
